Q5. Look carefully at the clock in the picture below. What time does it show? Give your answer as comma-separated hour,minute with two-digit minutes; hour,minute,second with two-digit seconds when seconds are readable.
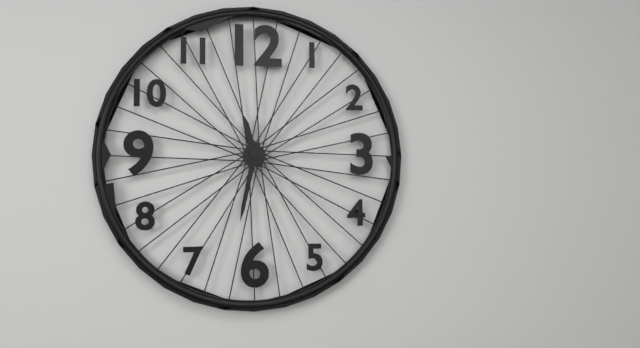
11,32
